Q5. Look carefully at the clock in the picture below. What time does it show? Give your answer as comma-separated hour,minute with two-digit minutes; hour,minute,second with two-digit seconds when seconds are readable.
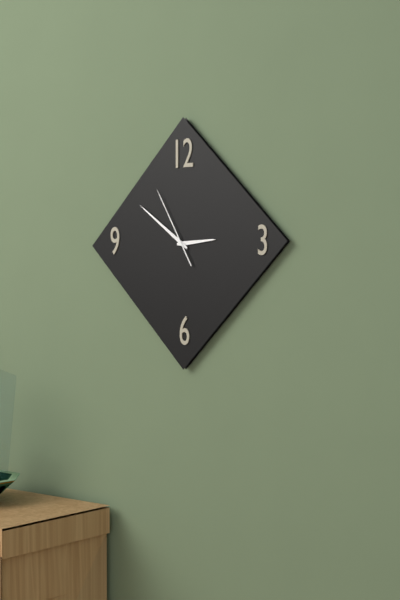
2,51,55
